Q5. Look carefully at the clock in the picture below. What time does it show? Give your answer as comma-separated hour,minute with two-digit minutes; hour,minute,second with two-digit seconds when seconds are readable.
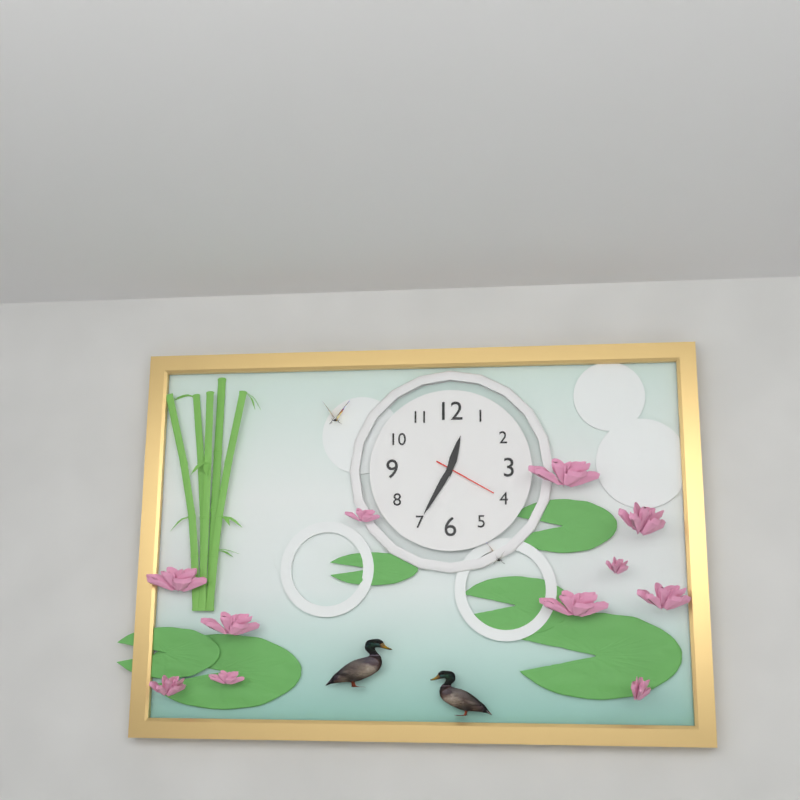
12,35,20
